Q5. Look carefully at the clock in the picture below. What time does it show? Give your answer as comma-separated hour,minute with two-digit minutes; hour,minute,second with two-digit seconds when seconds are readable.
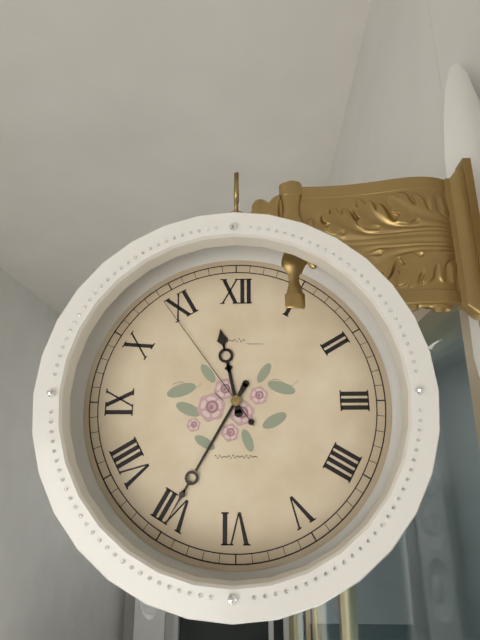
11,35,54
